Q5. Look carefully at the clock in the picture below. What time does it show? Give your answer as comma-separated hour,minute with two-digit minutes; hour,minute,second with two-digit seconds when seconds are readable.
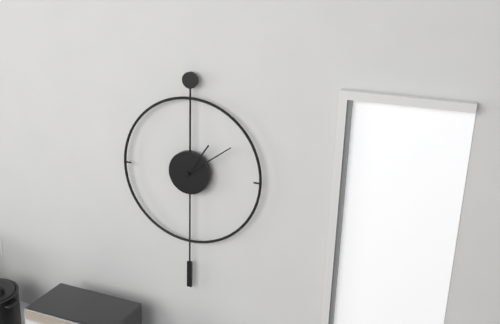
1,09
